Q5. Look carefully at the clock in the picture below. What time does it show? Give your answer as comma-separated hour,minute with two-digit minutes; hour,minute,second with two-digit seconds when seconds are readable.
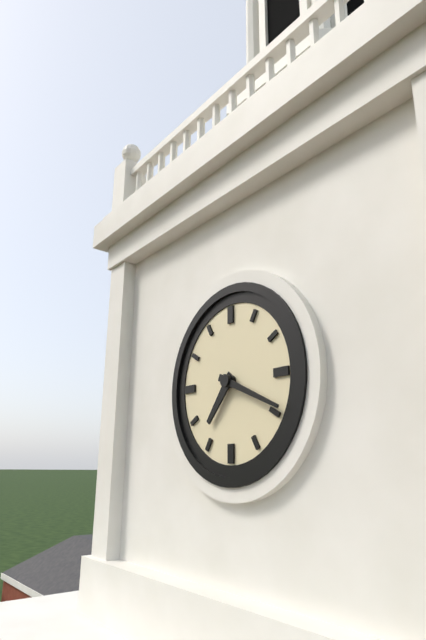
7,19
